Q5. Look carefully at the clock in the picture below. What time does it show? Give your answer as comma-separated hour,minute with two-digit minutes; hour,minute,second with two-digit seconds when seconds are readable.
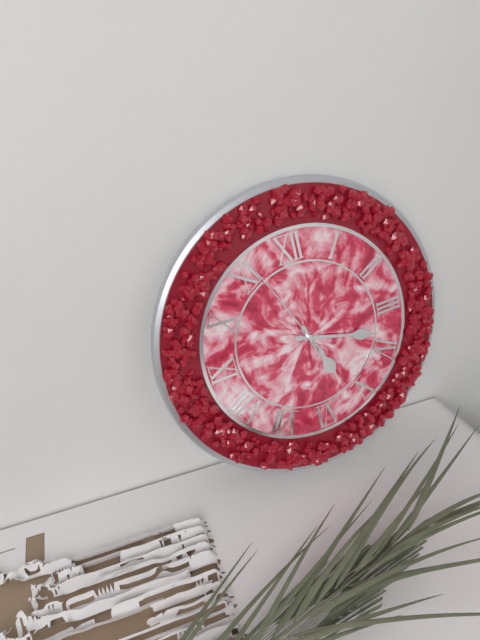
5,18,56
